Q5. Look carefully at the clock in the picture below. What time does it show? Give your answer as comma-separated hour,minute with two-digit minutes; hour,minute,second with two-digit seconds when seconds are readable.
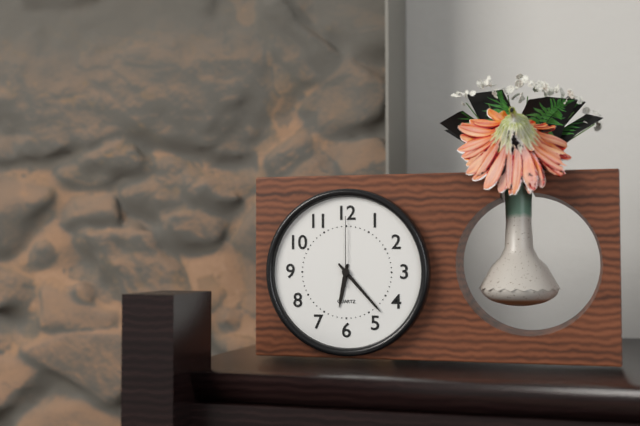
6,23,00
